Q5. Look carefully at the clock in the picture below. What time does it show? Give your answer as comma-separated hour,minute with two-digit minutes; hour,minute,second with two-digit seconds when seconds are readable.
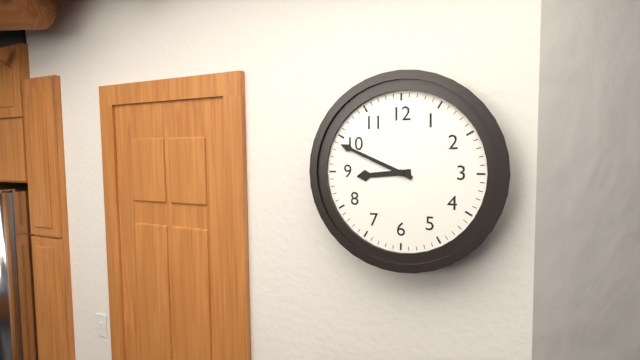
8,49
